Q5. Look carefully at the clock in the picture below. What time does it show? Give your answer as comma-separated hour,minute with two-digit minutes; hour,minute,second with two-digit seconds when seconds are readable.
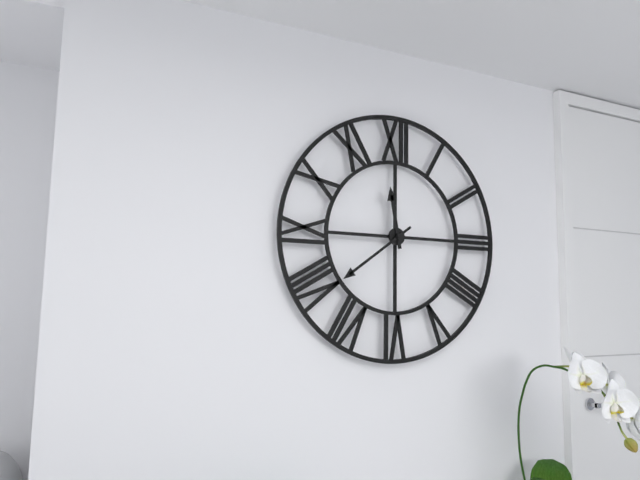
11,39
